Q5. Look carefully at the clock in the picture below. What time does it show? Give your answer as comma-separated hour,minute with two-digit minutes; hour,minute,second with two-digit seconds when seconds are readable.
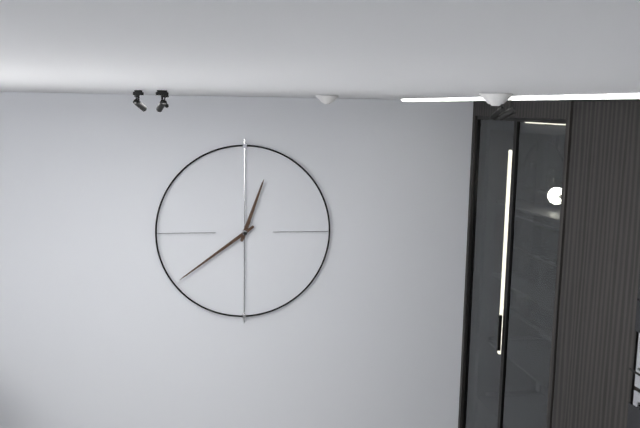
12,39
